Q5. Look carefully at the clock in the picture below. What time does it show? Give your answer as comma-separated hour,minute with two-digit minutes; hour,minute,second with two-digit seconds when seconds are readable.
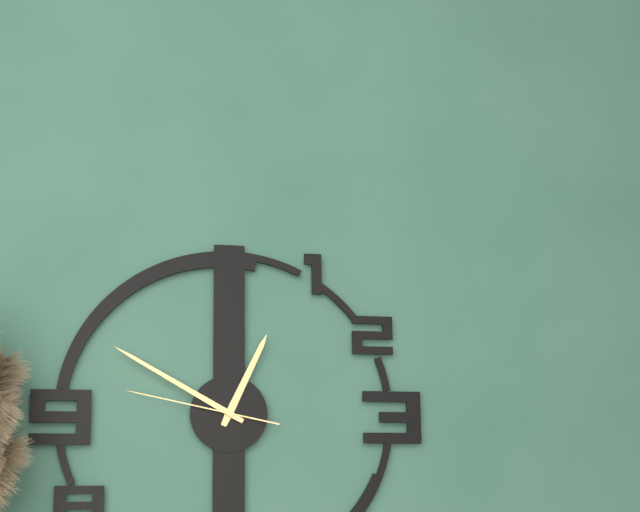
12,50,47
